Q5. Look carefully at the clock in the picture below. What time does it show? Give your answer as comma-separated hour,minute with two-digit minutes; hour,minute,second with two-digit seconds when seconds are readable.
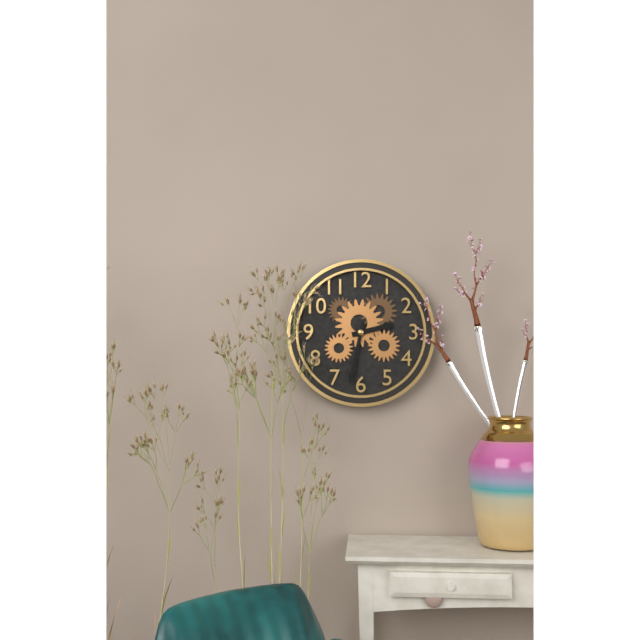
2,32
